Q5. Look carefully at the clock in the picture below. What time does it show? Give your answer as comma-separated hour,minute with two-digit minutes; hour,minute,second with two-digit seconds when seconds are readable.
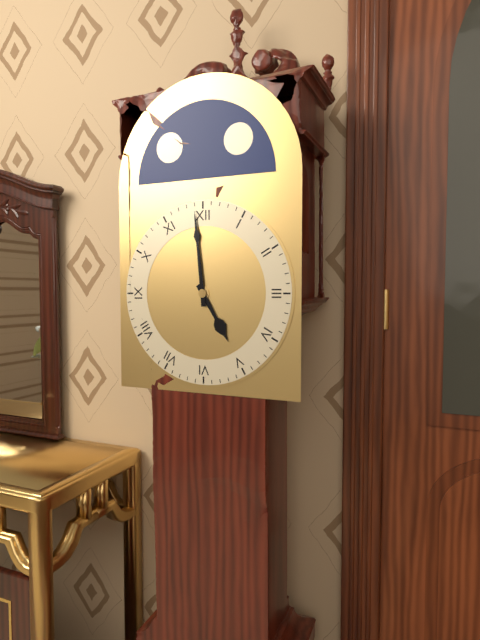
4,59
